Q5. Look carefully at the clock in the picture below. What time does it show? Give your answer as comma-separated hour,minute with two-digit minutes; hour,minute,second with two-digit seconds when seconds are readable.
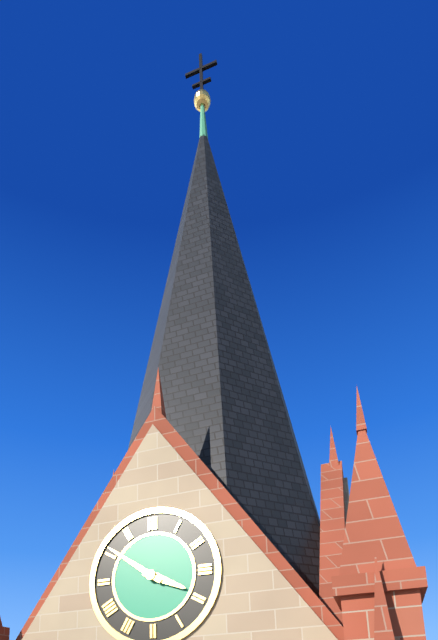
3,51
